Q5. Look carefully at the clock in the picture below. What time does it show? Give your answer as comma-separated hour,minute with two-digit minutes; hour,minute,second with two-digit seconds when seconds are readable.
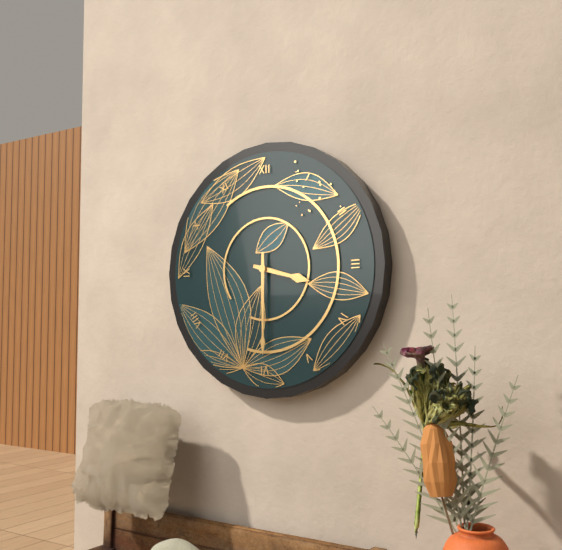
3,30
